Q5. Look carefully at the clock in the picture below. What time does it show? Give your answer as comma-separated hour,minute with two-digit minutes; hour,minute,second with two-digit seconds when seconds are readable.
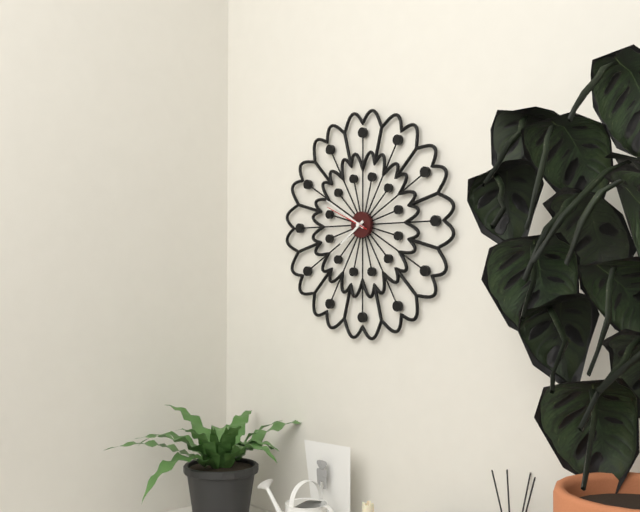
7,50
